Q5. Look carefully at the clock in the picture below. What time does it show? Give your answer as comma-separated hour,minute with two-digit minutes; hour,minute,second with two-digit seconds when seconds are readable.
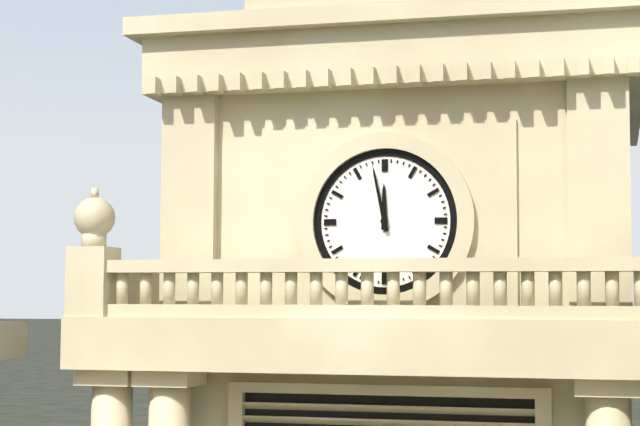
11,58
